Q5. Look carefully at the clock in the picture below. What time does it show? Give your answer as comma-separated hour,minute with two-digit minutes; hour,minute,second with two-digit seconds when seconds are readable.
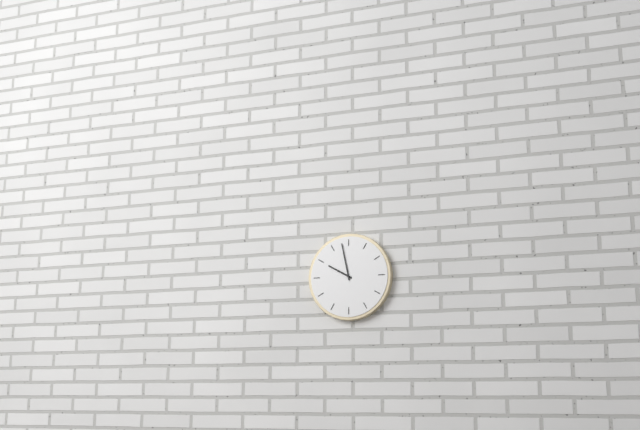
9,58
